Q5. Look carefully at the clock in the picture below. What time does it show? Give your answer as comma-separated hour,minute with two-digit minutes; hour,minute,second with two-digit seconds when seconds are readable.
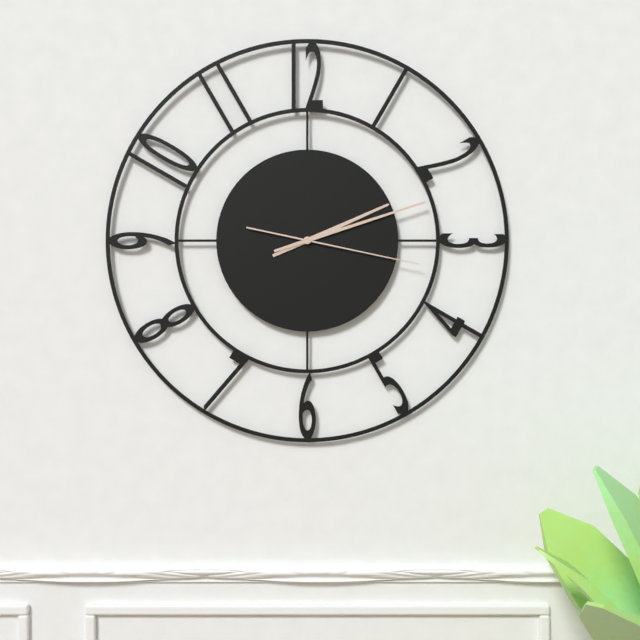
2,12,17
